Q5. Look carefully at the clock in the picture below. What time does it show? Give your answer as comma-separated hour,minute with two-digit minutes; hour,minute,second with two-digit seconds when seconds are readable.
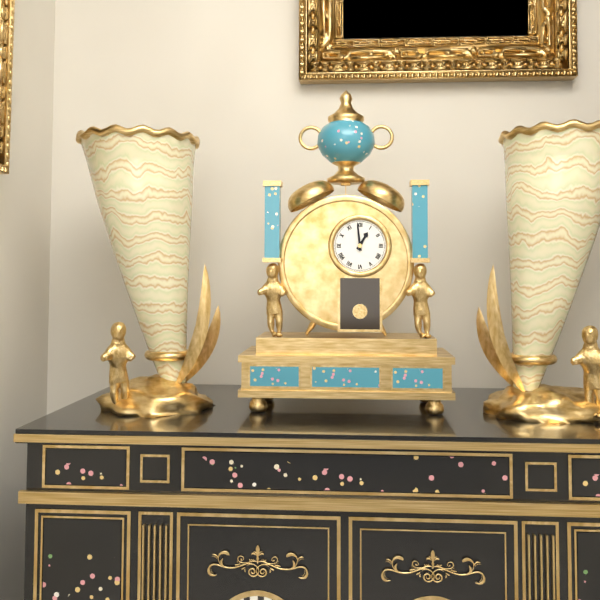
12,59
